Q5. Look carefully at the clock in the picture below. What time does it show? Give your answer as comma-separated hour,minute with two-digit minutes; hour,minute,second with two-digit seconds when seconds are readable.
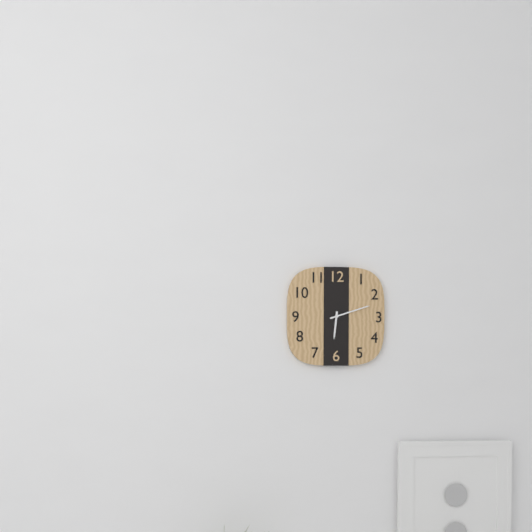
6,12
